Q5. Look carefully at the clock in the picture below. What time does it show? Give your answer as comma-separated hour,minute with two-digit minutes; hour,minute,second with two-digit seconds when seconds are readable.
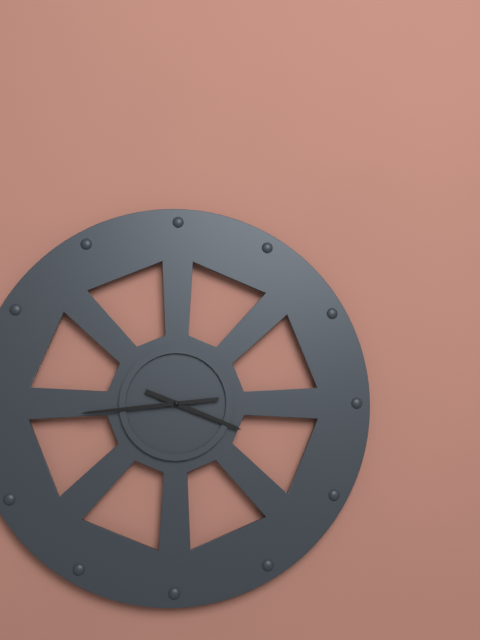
3,44
